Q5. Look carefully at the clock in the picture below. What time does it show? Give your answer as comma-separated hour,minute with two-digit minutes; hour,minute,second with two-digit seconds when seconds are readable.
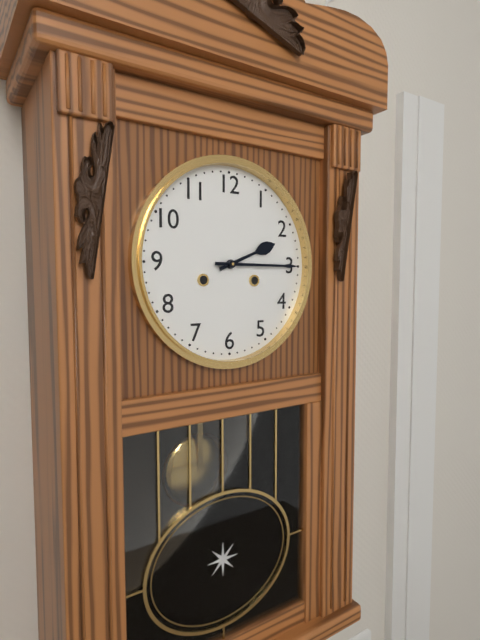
2,15
